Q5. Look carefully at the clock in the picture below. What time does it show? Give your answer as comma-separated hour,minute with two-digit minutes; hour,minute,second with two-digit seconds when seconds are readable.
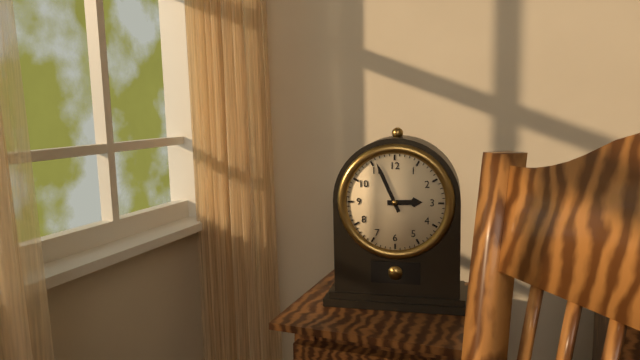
2,56
